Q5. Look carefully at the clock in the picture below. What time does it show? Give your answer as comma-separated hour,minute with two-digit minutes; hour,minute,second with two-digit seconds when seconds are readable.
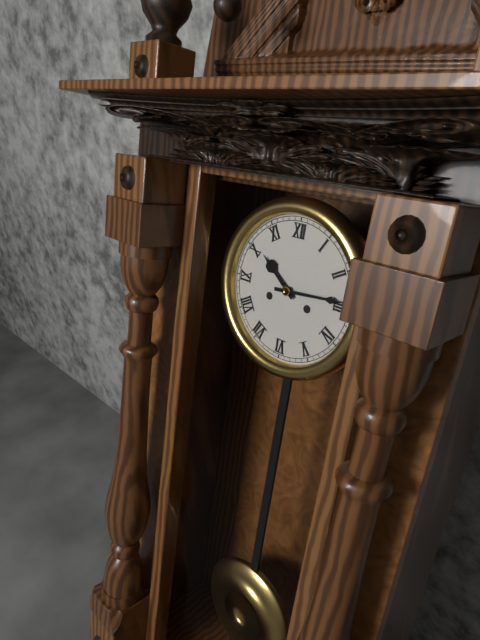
10,14
